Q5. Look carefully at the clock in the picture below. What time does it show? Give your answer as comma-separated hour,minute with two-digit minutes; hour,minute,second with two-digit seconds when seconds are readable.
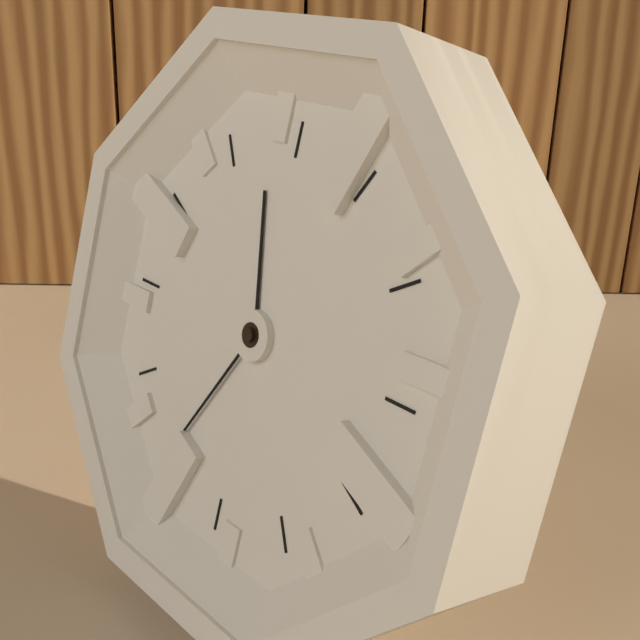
11,35
